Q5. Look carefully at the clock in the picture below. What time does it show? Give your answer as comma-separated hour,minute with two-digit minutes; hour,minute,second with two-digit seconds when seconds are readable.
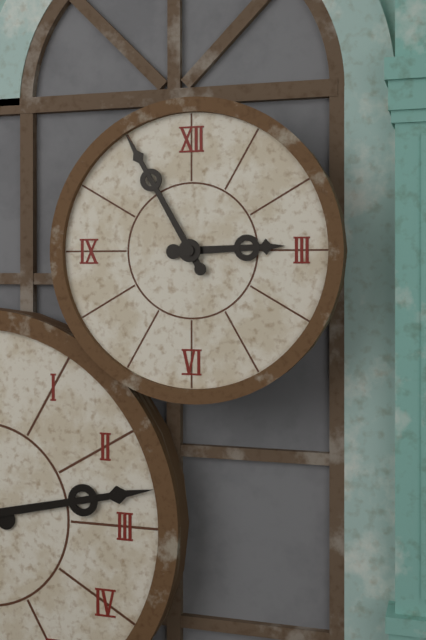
2,55
